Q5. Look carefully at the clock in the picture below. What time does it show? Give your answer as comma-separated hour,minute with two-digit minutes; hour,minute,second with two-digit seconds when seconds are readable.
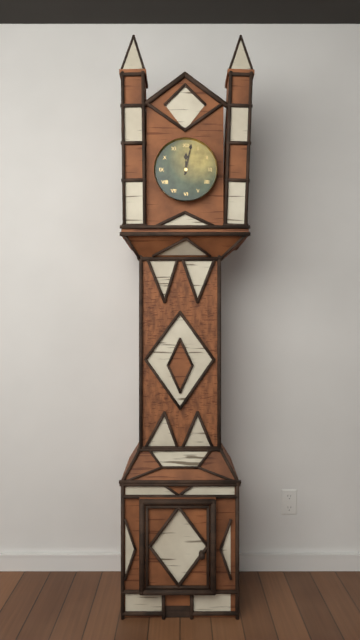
12,02
